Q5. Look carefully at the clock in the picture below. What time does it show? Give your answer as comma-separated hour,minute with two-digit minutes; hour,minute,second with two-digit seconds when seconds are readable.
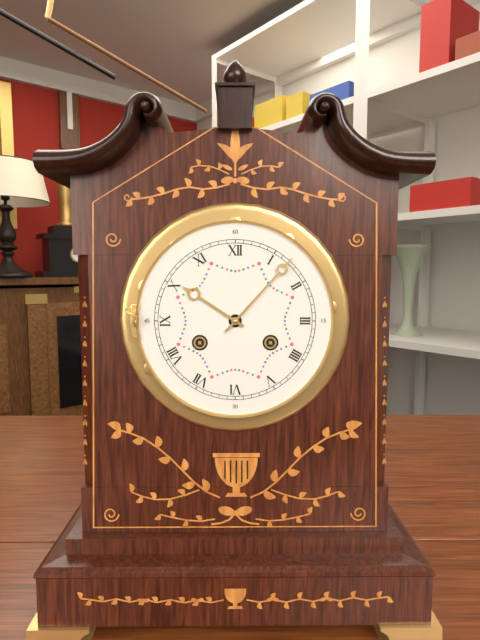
10,07
